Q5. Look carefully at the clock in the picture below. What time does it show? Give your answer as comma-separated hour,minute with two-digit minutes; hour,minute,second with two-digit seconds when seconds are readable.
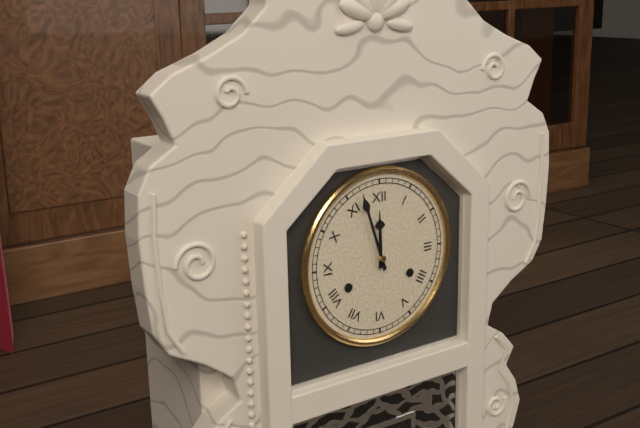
11,57
